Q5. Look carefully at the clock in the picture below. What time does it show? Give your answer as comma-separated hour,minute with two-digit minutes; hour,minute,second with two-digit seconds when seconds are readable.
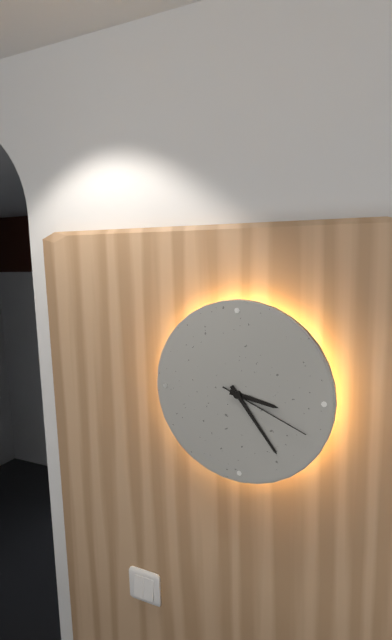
3,24,19
